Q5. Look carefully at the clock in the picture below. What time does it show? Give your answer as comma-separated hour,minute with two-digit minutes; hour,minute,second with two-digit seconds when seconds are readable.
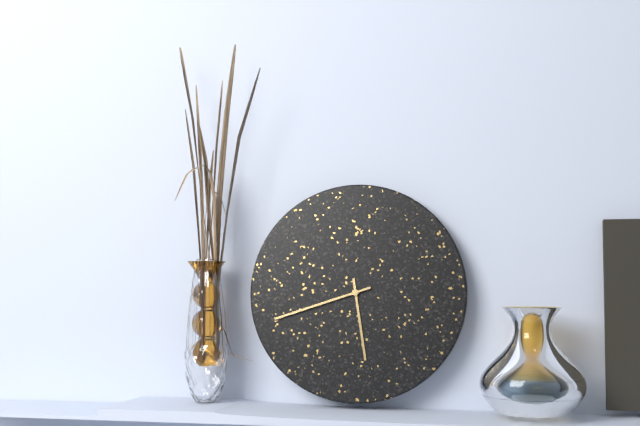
5,42
